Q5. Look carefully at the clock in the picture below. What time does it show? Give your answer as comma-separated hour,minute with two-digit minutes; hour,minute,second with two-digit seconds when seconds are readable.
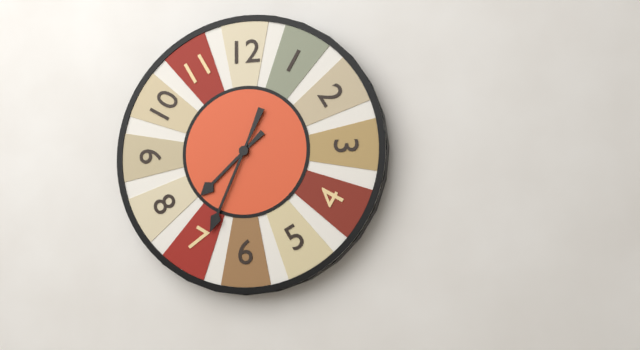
7,34
